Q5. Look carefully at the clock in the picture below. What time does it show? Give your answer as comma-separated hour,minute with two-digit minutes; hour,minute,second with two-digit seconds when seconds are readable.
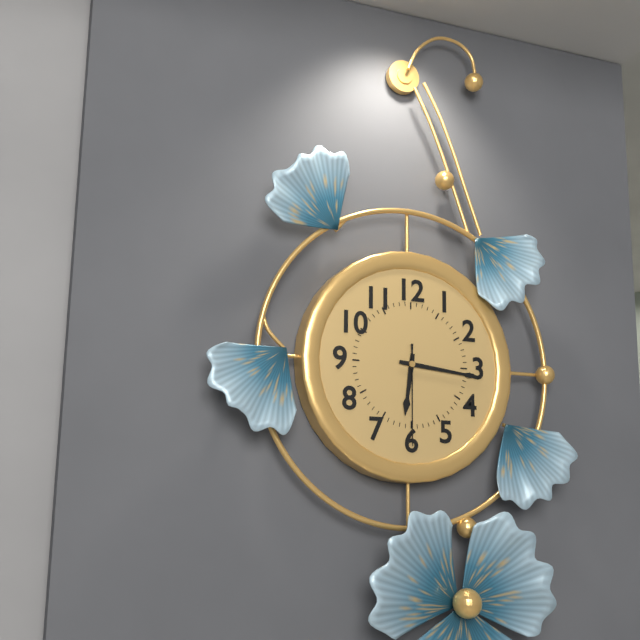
6,16,30
